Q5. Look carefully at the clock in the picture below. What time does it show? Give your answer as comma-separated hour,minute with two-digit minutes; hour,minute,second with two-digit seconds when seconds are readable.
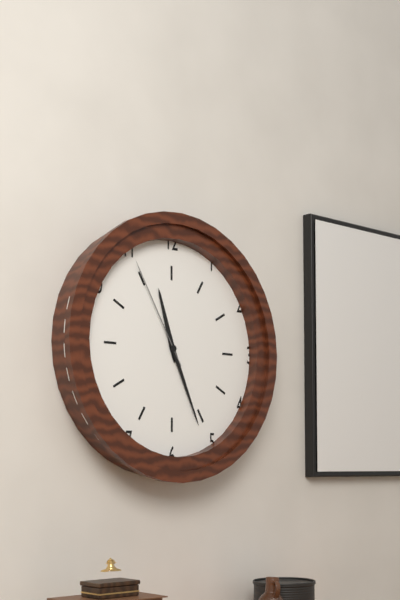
11,26,55
